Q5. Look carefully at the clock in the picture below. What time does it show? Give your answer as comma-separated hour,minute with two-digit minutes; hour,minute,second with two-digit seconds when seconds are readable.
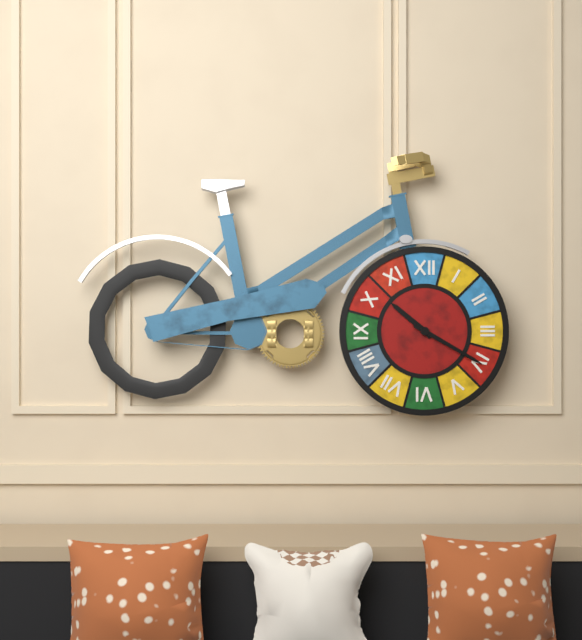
10,20
